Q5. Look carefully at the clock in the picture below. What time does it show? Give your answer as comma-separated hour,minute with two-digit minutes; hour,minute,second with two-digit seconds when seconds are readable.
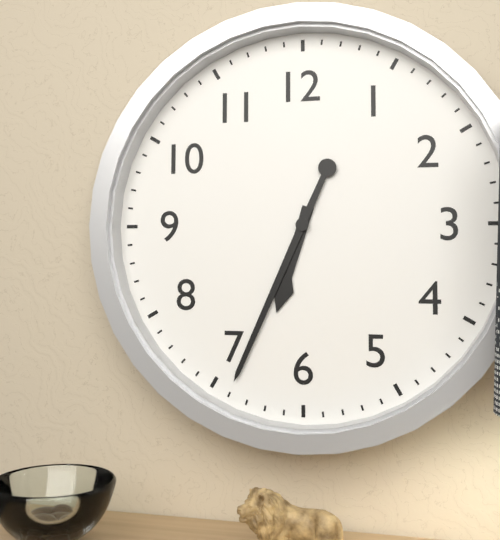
6,34
